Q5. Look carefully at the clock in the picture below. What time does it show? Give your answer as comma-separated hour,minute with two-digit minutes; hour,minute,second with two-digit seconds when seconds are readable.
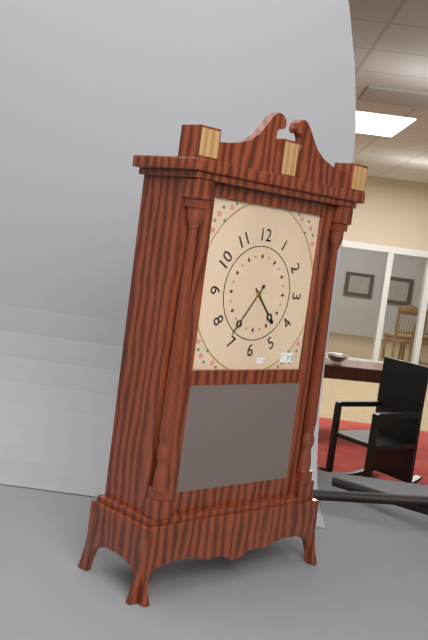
4,36
